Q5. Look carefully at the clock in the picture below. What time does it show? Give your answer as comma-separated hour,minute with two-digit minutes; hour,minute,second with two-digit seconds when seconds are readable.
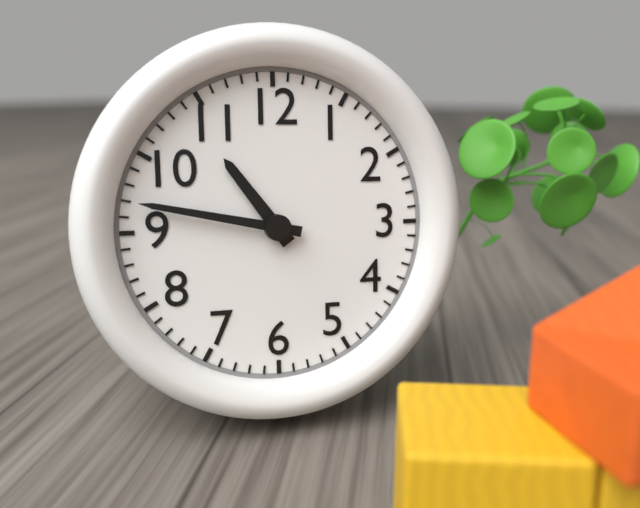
10,47
